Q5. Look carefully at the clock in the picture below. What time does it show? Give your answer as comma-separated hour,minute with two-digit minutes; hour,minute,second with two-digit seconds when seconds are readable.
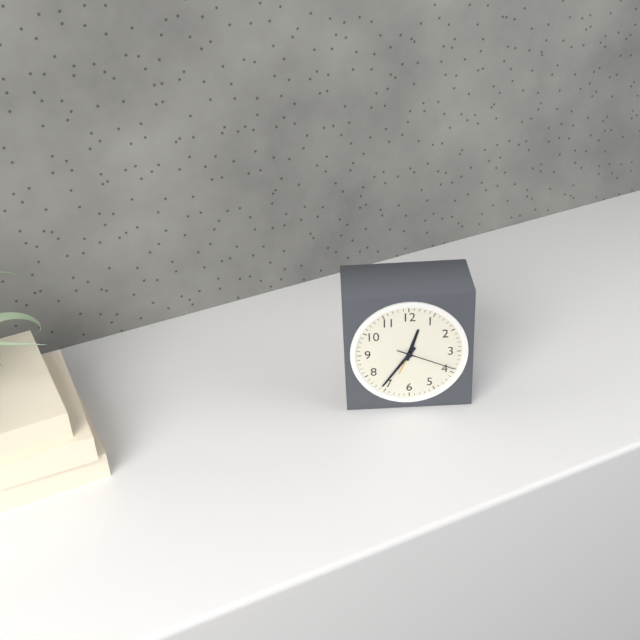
12,36,19
